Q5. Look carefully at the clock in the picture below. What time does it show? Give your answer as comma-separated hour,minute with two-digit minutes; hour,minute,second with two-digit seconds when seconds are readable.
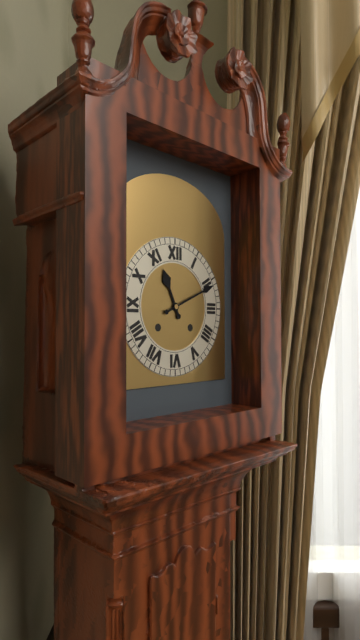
11,11
